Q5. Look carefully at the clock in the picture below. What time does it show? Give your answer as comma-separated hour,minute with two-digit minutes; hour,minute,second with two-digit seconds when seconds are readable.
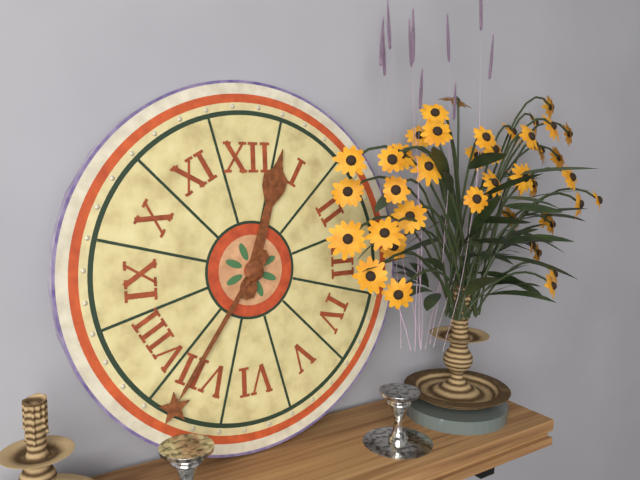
12,36
